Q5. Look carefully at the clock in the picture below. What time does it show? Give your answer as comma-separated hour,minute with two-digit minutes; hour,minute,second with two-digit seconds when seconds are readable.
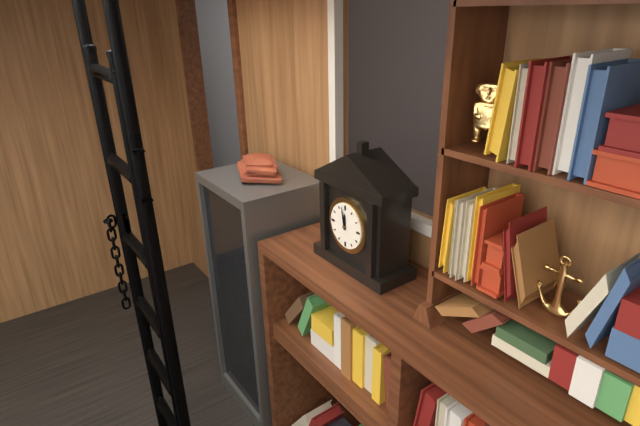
11,58
